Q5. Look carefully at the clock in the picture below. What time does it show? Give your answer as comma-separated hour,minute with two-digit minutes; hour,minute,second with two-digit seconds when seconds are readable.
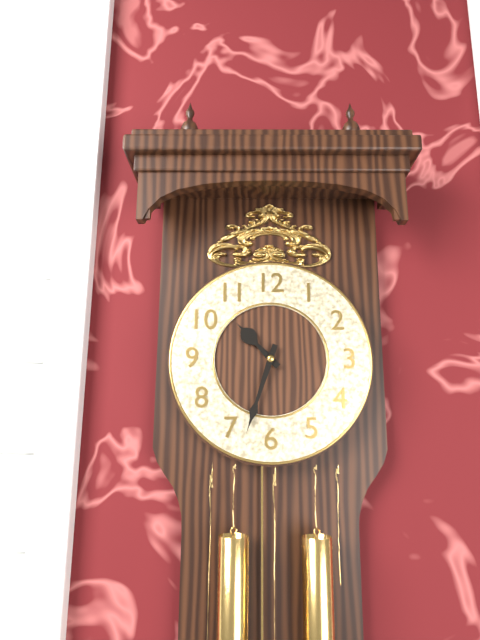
10,33
